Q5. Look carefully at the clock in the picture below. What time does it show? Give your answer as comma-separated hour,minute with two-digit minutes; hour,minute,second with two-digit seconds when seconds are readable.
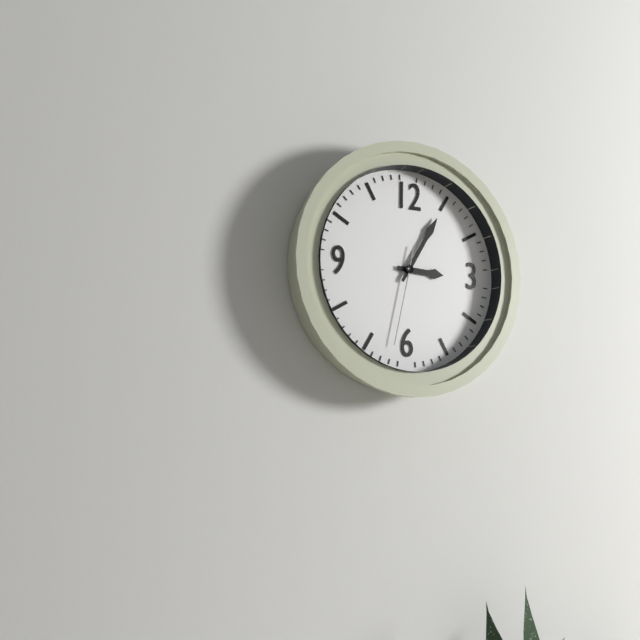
3,05,32
